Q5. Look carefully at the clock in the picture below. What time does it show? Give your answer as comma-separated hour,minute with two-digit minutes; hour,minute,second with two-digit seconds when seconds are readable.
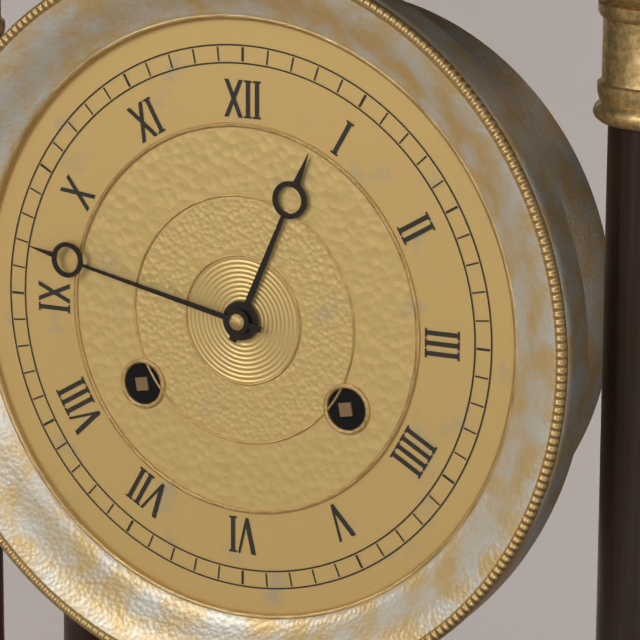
12,47
